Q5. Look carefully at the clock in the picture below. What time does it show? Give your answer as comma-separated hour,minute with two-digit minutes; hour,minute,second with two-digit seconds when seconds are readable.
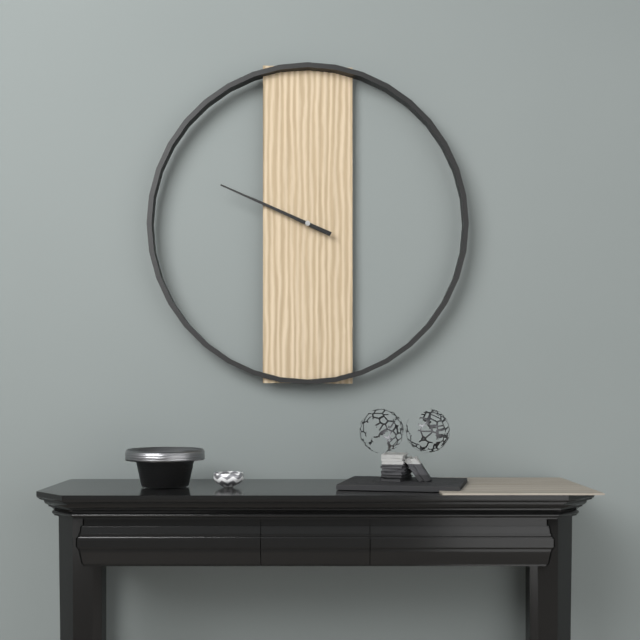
9,49
